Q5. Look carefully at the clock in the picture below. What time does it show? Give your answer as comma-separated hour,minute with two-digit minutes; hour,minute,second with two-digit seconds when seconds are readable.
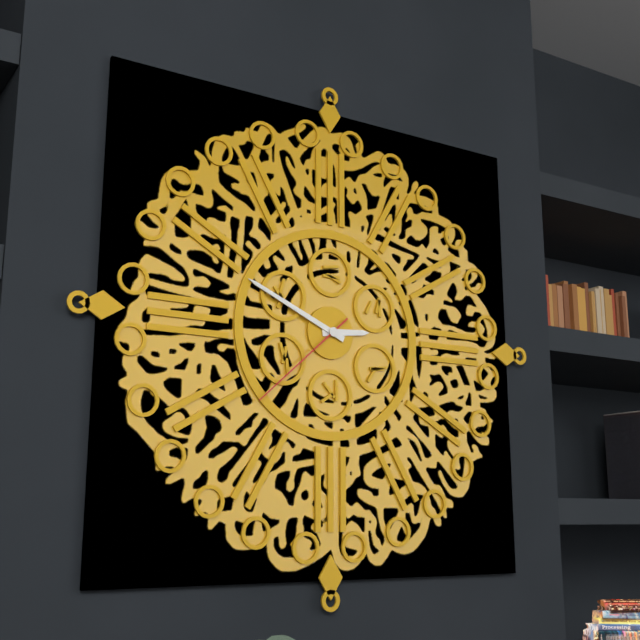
2,49,38
